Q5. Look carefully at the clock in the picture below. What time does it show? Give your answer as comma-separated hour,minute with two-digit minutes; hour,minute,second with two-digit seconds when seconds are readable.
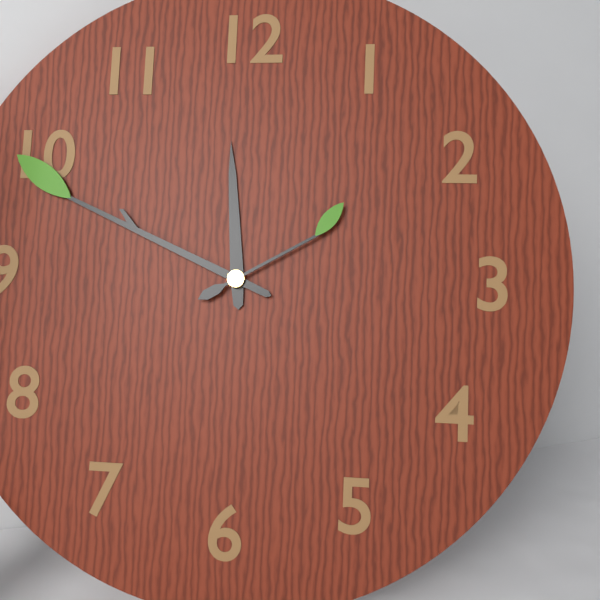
11,49,10
